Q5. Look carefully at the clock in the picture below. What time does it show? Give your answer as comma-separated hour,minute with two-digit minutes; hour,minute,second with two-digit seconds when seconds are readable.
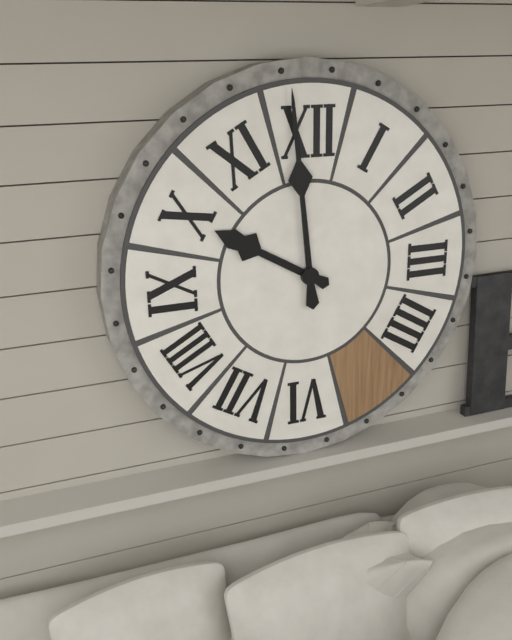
9,59
